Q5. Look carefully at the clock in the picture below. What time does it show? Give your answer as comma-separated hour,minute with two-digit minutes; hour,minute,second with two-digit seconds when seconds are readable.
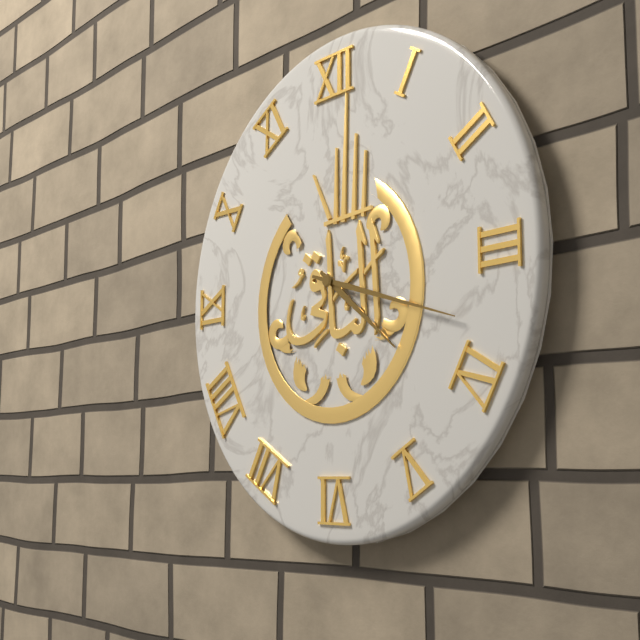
4,18
